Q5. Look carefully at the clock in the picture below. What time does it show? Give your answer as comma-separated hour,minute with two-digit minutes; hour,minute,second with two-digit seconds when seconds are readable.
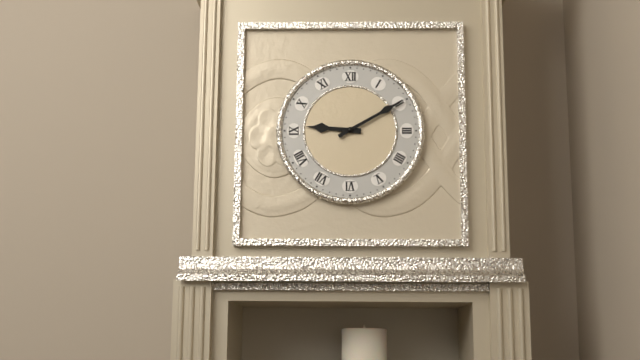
9,10
